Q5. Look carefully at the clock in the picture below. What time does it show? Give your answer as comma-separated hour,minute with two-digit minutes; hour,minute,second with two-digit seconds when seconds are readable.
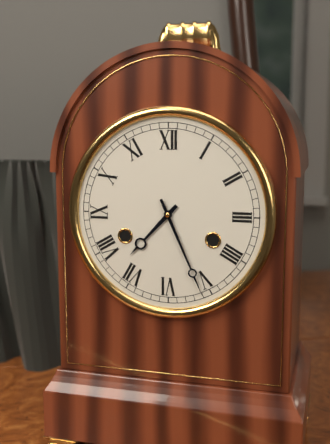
7,26
